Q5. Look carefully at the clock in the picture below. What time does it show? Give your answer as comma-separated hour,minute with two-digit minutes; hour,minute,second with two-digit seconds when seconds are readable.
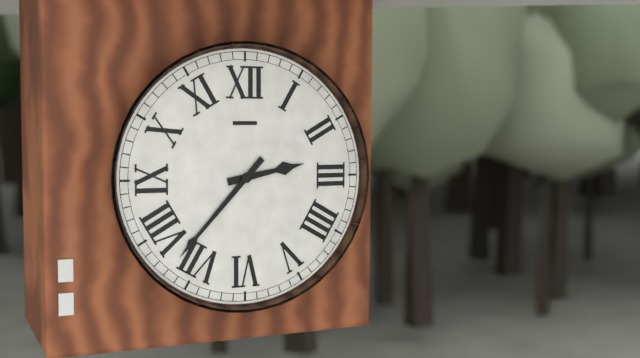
2,37
